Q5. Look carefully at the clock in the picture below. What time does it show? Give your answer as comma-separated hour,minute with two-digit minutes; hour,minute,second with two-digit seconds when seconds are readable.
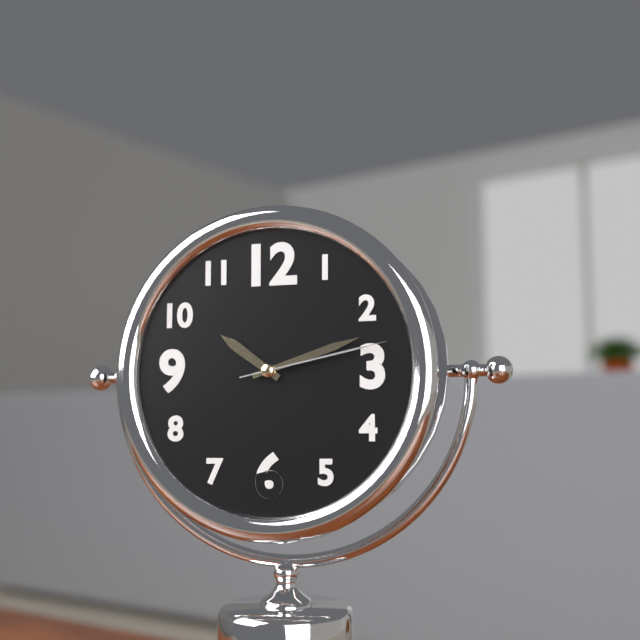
10,12,13
